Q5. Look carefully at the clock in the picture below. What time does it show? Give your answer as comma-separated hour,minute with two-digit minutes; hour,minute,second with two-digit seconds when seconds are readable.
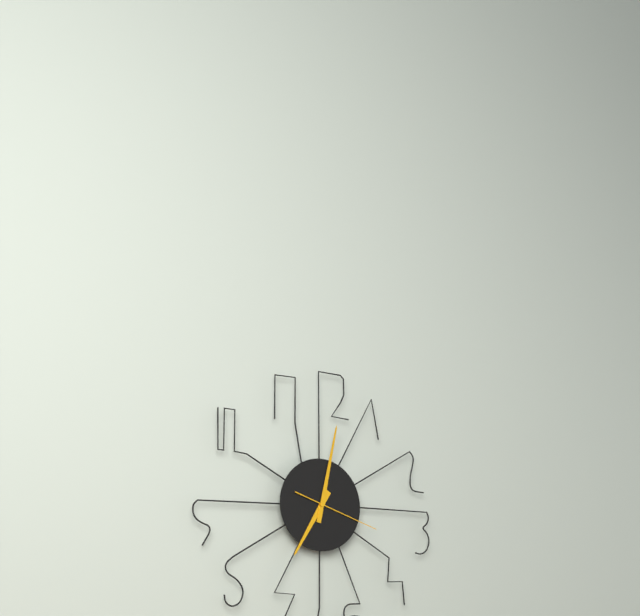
7,02,18
